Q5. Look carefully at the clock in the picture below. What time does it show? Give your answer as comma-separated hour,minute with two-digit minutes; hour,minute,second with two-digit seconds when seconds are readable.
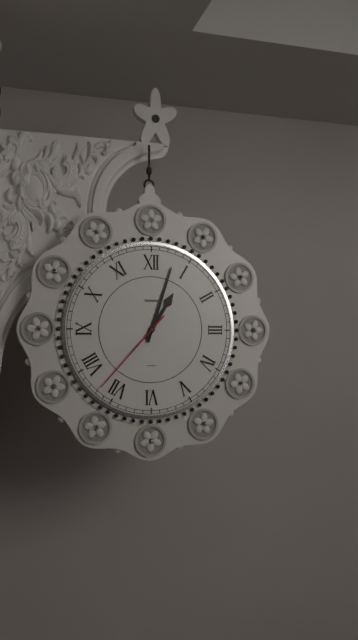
1,03,37
